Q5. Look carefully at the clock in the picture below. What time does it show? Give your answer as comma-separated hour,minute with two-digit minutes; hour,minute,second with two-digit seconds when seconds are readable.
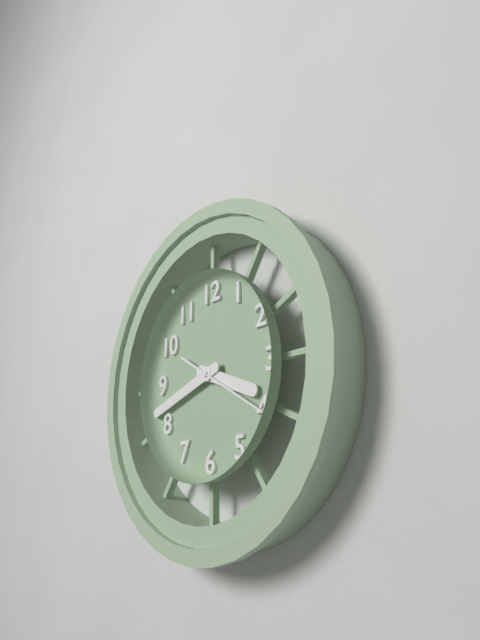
3,42,20
